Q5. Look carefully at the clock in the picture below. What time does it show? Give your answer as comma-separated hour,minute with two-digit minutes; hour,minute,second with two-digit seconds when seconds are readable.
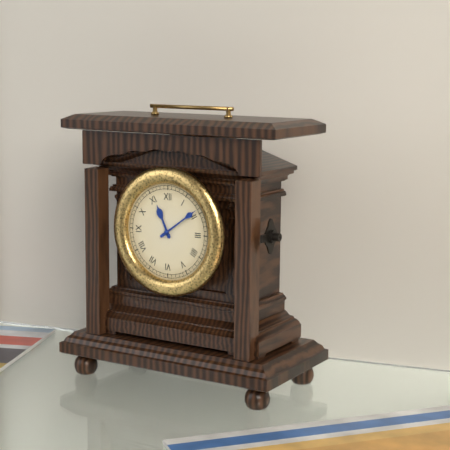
11,09
